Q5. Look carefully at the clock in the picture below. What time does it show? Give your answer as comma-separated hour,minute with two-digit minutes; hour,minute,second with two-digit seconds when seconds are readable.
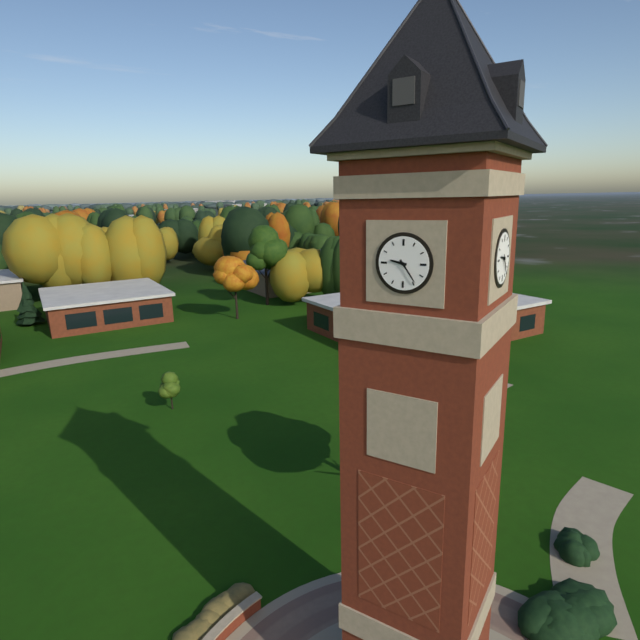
9,24
